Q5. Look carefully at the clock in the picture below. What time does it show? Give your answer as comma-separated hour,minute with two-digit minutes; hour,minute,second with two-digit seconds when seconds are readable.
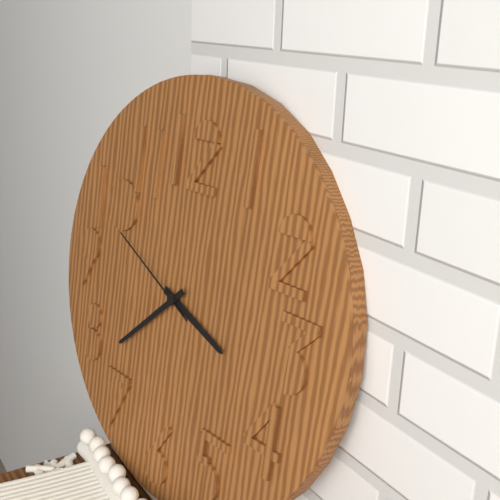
3,38,49
